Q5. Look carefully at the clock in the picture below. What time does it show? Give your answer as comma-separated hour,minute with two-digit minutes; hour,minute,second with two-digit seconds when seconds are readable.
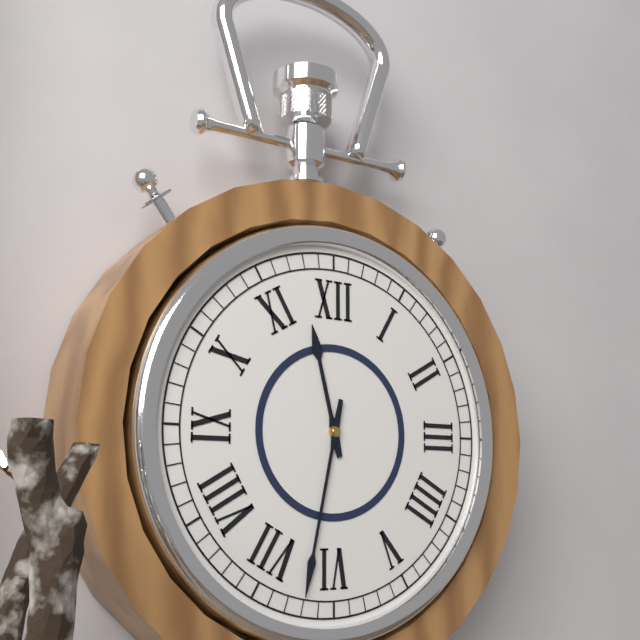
11,32
